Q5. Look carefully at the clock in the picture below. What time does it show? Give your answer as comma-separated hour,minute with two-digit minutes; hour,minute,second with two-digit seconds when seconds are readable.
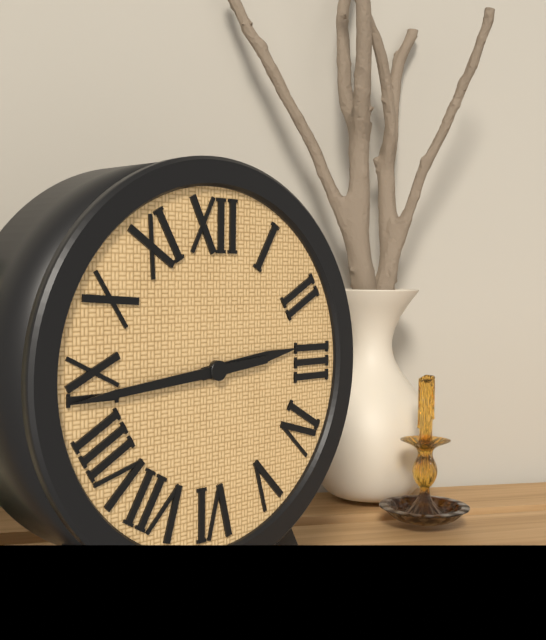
2,44
